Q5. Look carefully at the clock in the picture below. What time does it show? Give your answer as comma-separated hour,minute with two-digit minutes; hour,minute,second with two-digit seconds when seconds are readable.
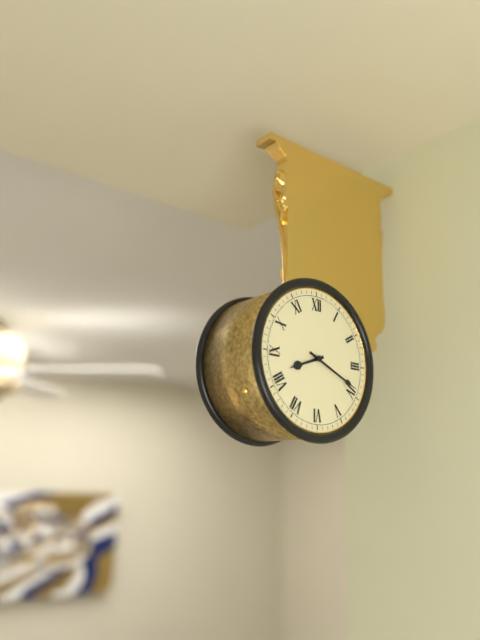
8,19
